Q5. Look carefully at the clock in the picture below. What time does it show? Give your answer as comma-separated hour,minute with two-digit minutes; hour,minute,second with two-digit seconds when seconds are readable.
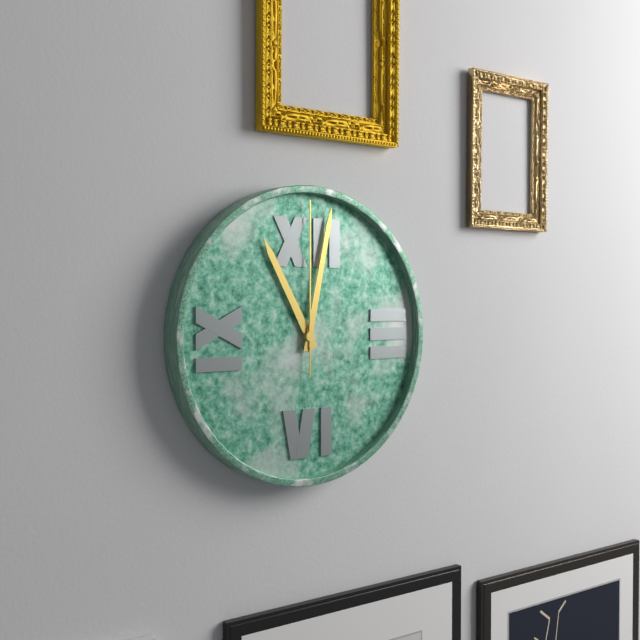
11,02,00
